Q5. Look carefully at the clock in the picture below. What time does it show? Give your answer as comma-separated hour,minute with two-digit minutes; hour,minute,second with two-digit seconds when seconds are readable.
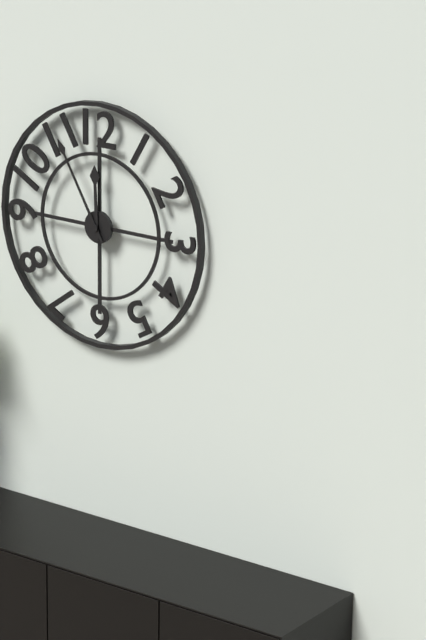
11,55
